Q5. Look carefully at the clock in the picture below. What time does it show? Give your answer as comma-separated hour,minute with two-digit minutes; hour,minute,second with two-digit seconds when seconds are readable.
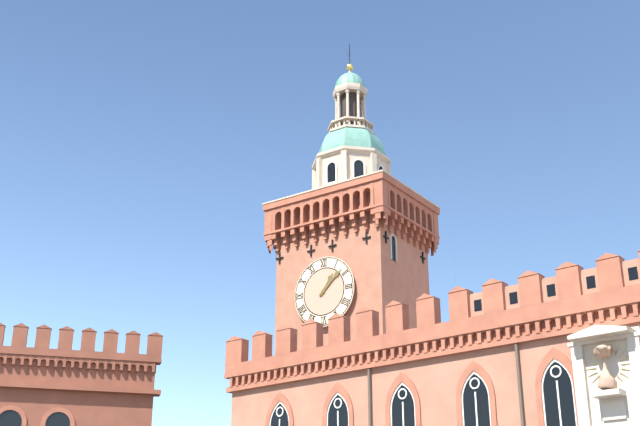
1,08
